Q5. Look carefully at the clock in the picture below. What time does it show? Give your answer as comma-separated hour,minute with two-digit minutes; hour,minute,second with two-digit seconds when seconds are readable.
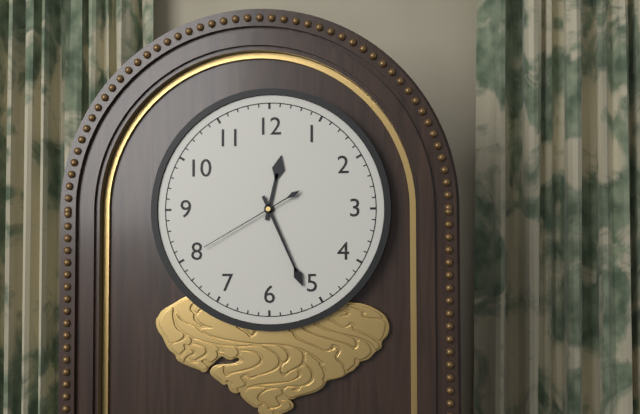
12,26,40
